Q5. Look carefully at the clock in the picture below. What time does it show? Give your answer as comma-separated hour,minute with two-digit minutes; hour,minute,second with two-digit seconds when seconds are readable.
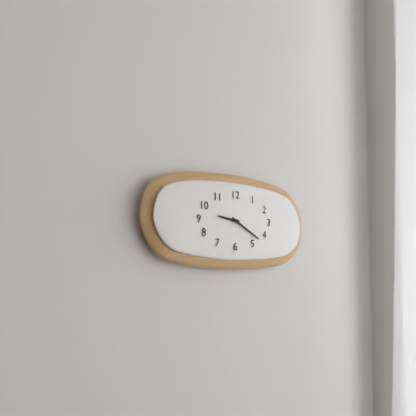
9,20
